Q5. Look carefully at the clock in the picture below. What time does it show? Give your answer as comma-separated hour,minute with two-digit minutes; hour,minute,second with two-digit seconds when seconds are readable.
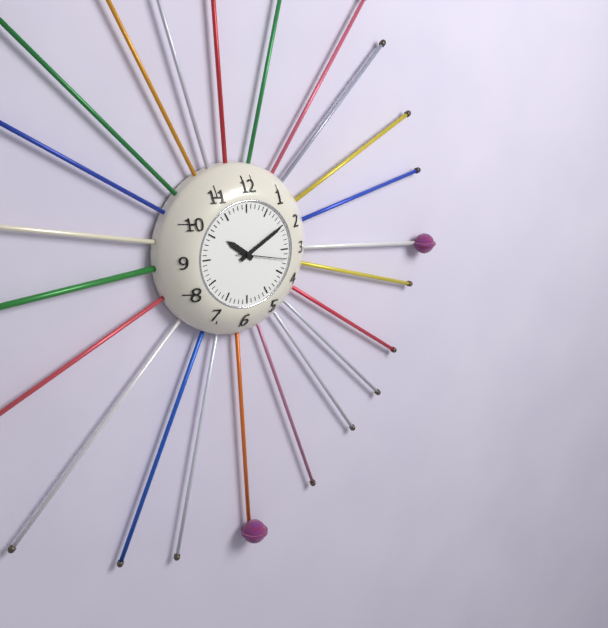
10,10
